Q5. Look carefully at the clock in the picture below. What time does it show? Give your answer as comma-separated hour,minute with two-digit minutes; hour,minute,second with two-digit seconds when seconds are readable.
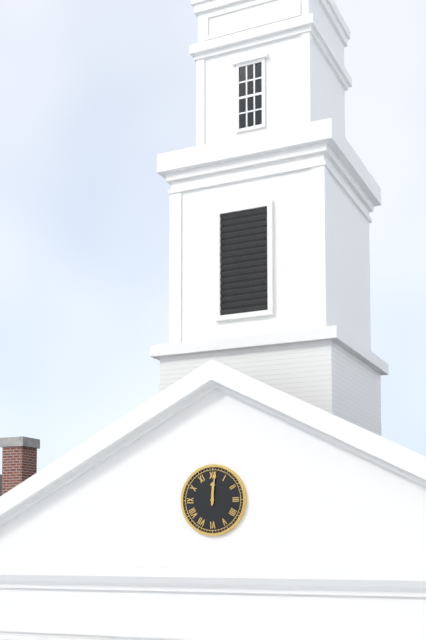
12,01
